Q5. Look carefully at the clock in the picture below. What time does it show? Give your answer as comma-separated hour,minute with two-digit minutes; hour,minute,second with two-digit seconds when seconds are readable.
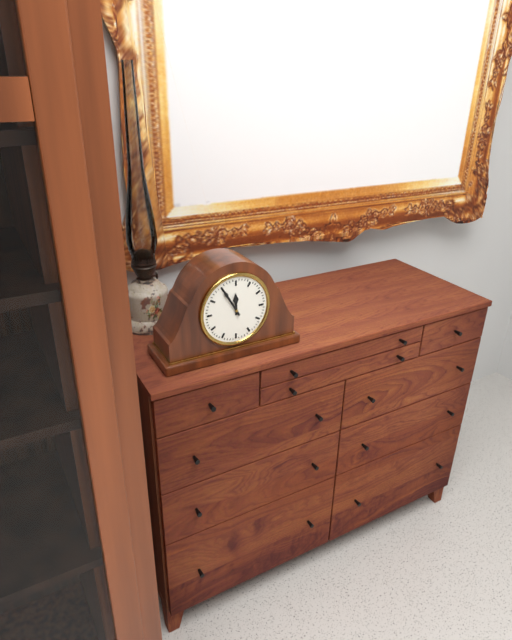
11,55
